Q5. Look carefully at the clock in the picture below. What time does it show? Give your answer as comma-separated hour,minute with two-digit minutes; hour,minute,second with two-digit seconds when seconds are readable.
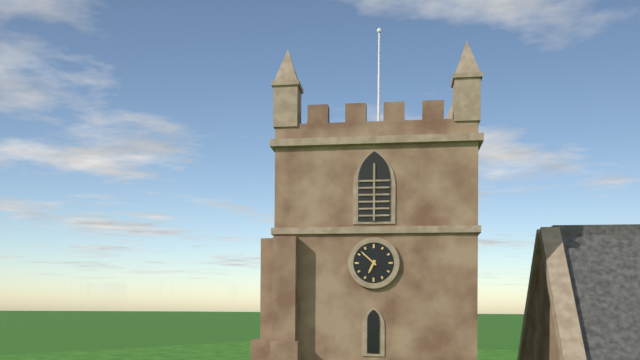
6,52
